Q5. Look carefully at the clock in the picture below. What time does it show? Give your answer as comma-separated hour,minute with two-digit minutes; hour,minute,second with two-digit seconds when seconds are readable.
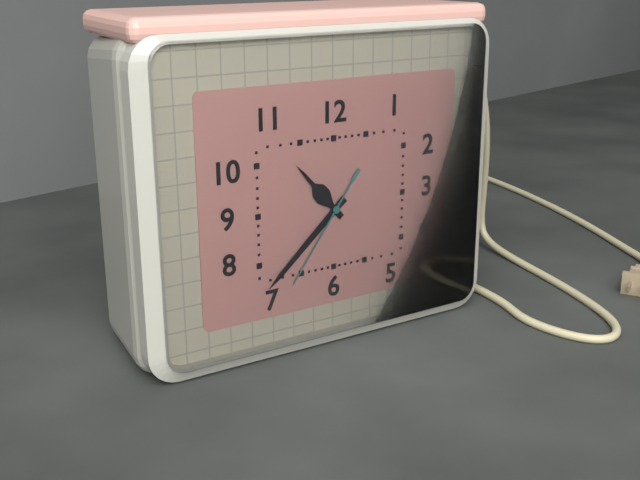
10,38,36
